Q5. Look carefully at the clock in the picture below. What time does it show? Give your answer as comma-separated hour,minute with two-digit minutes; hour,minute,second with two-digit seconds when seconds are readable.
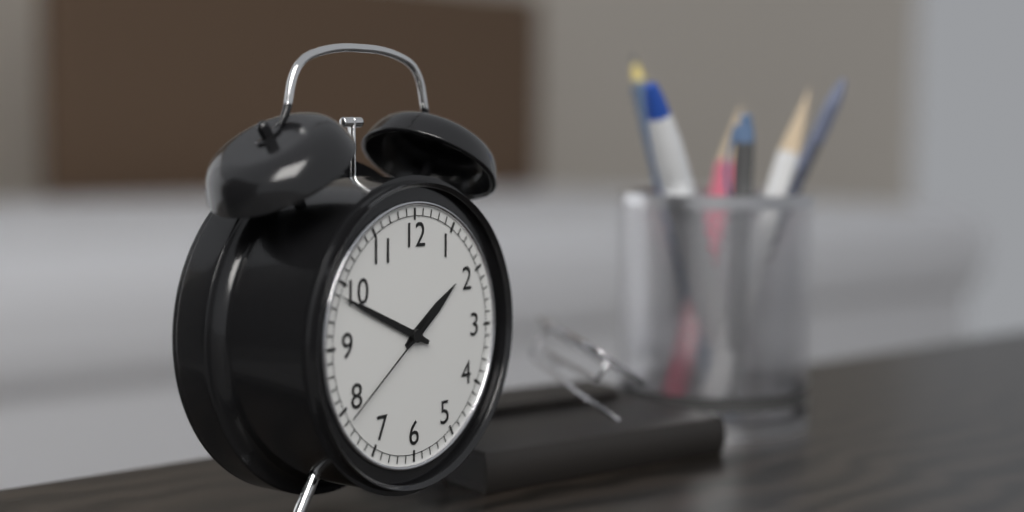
1,49,39
